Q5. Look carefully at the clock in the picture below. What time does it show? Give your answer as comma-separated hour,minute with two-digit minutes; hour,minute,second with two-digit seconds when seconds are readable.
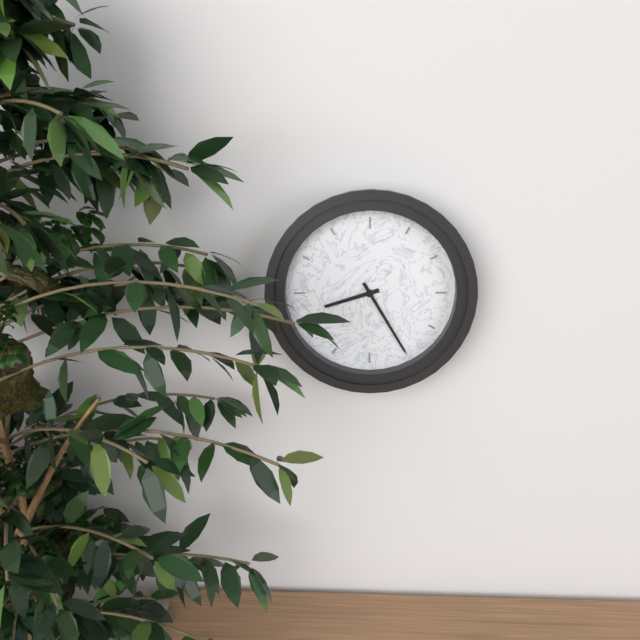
8,25
